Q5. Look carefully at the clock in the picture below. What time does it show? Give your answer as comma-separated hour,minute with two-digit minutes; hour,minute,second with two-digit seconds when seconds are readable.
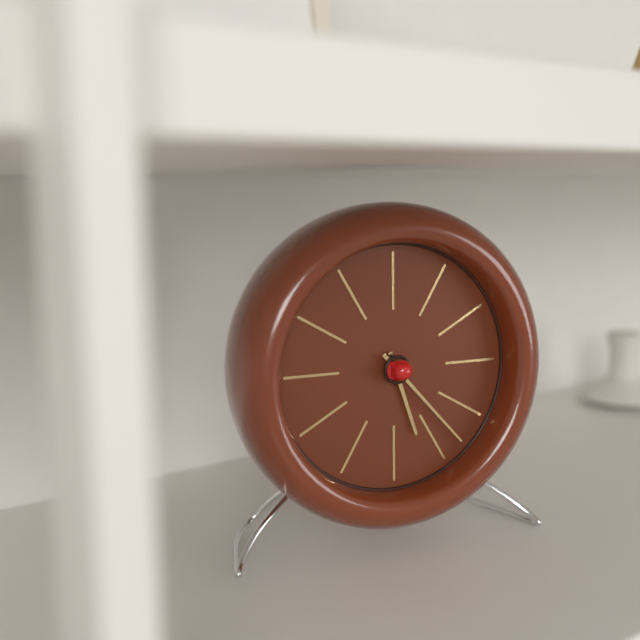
5,23
